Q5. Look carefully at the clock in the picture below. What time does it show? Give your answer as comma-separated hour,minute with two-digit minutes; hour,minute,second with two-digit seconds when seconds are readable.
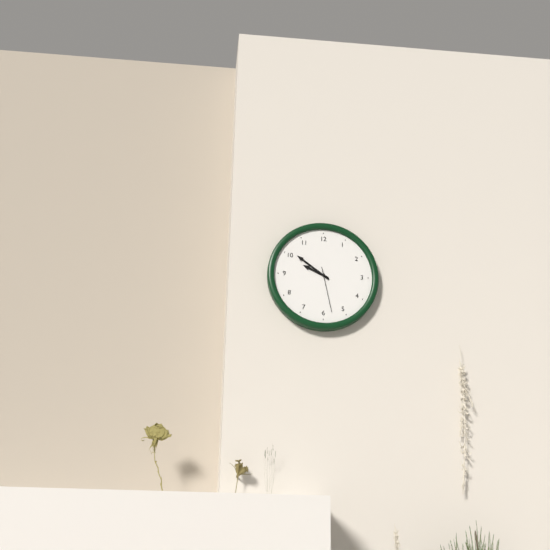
9,51
